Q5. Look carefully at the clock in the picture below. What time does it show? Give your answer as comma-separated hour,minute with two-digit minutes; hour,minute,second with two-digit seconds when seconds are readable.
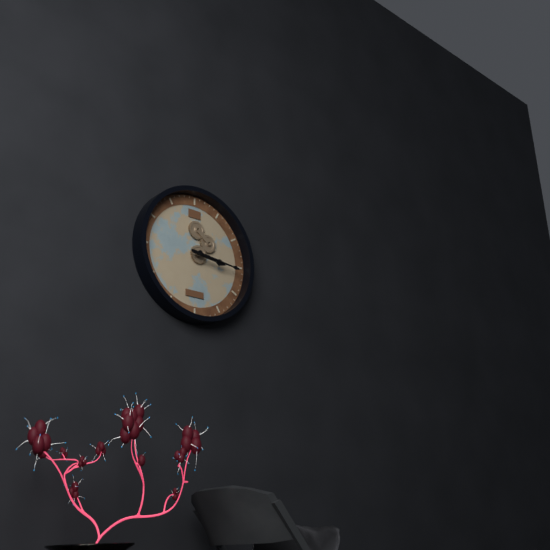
3,16
